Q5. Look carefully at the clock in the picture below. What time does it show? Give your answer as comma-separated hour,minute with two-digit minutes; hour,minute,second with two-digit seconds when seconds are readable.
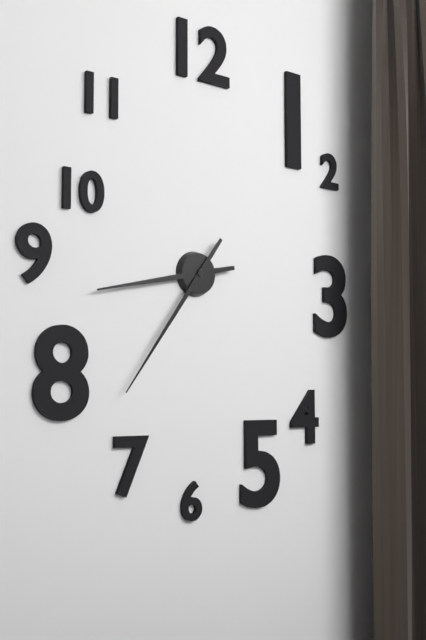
8,36
